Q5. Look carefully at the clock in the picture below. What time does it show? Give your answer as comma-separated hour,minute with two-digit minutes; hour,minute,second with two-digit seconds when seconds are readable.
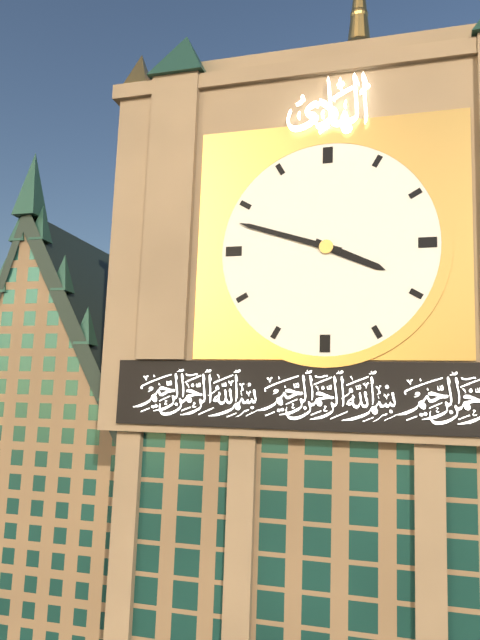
3,48
